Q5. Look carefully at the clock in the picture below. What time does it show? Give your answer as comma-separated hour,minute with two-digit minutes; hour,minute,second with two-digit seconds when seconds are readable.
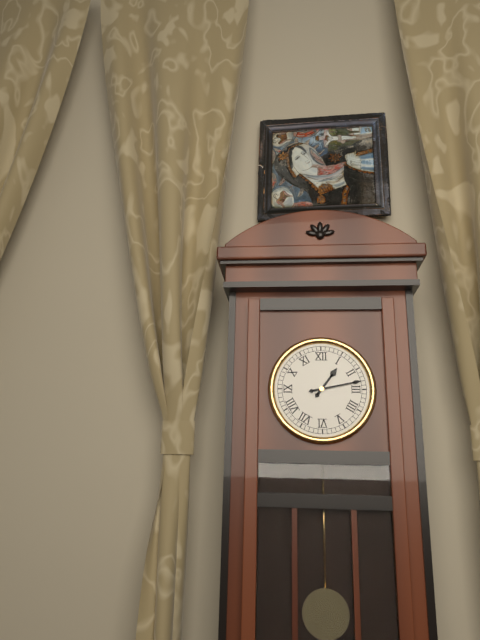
1,13
